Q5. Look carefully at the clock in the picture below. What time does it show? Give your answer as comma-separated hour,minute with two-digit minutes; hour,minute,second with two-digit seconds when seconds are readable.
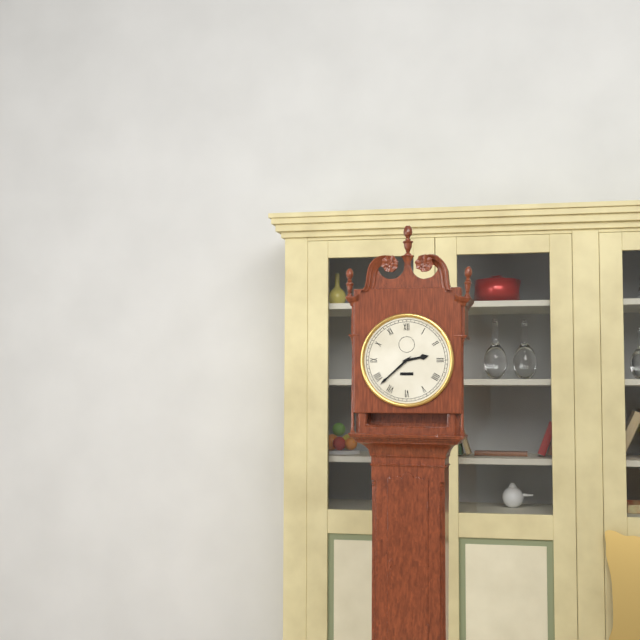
2,38
